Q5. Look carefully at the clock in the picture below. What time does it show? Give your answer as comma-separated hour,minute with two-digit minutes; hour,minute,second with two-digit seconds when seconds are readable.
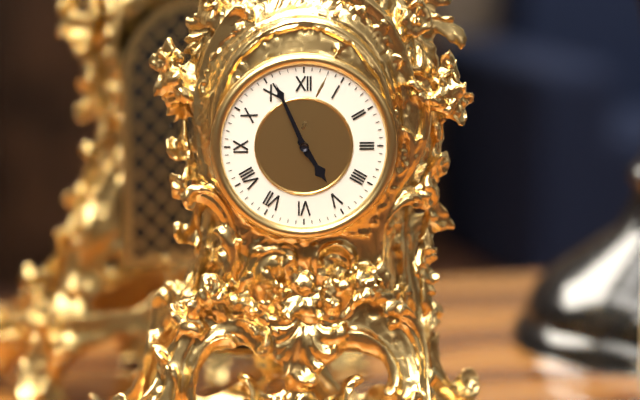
4,56
